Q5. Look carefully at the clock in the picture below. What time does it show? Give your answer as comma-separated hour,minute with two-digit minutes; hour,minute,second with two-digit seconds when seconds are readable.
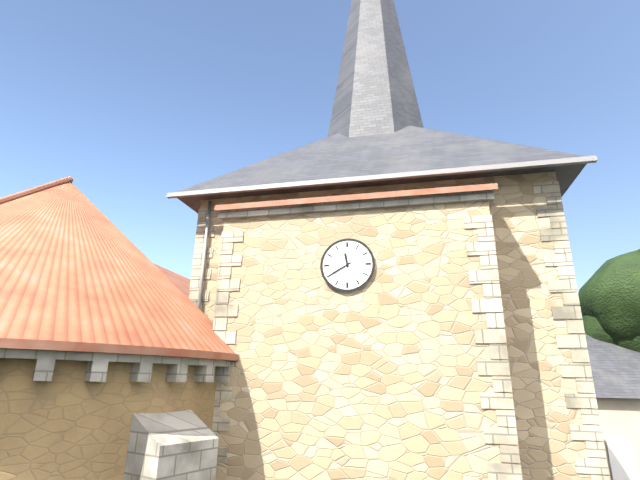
11,40
